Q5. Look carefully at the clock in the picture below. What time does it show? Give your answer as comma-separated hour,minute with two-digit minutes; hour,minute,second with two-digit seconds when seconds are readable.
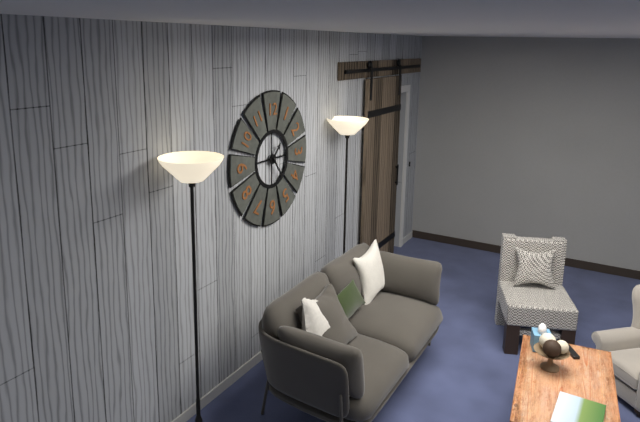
1,24
